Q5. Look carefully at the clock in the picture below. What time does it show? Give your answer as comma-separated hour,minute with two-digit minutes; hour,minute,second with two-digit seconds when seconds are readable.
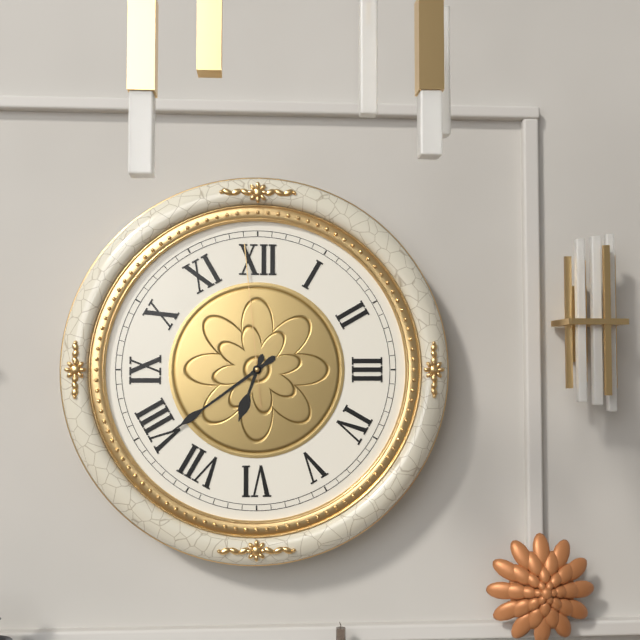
6,39,59
